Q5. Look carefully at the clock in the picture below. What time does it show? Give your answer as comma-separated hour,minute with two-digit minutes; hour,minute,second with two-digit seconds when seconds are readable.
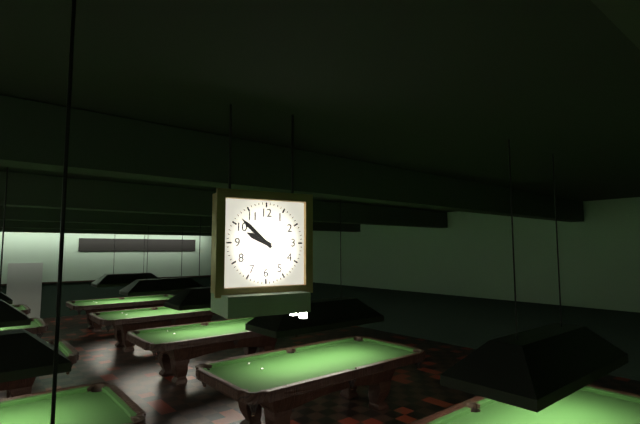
9,52
